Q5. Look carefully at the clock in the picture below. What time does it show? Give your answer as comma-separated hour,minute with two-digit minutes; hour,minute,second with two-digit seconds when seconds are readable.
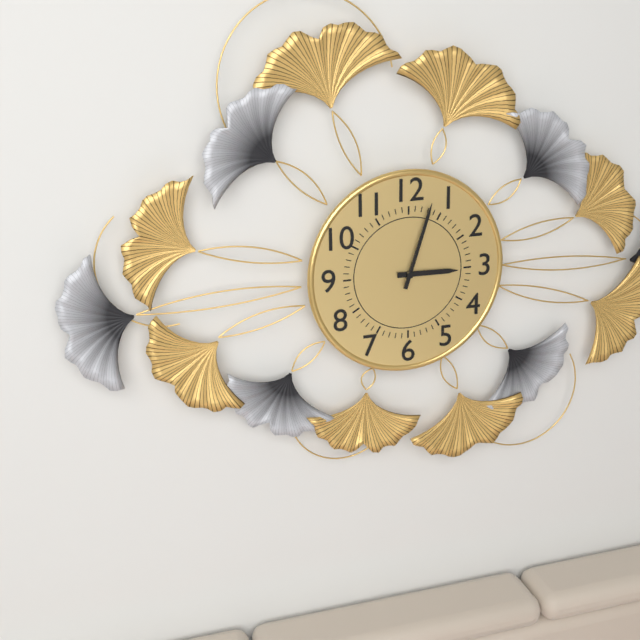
3,03
